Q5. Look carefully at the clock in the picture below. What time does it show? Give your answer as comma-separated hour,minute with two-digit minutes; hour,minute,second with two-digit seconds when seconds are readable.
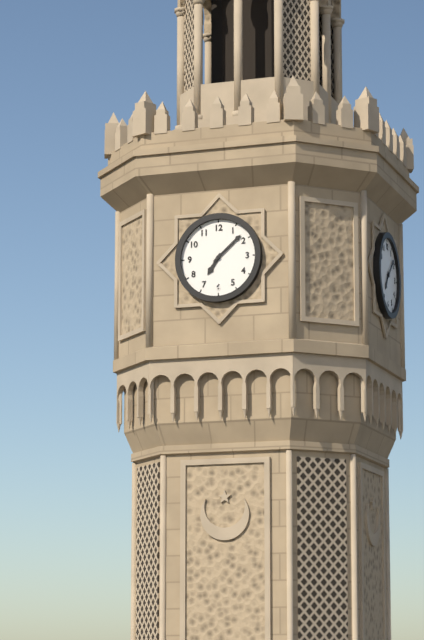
7,08
